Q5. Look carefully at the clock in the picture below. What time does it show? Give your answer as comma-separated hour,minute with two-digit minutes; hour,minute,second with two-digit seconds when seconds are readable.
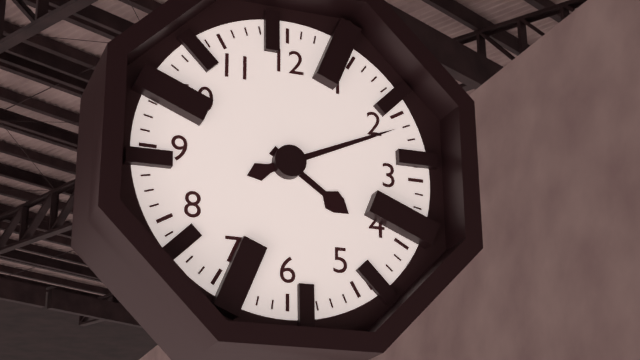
4,11
